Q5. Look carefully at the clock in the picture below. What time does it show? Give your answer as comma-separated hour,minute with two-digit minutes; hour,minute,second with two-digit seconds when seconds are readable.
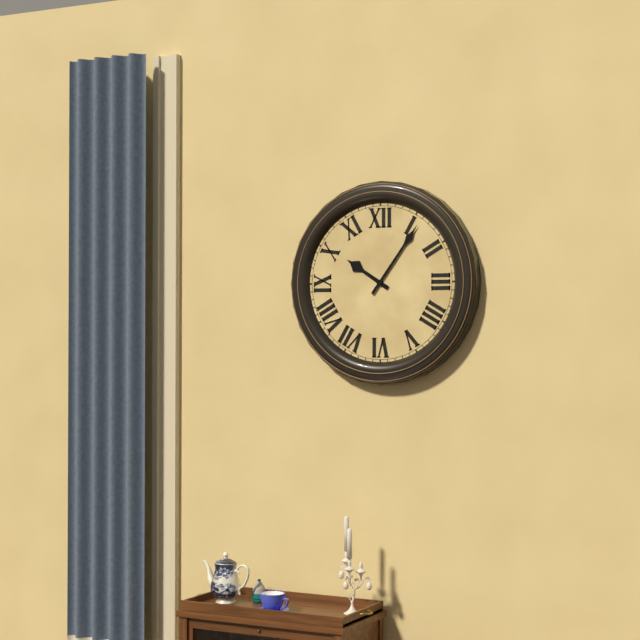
10,06
